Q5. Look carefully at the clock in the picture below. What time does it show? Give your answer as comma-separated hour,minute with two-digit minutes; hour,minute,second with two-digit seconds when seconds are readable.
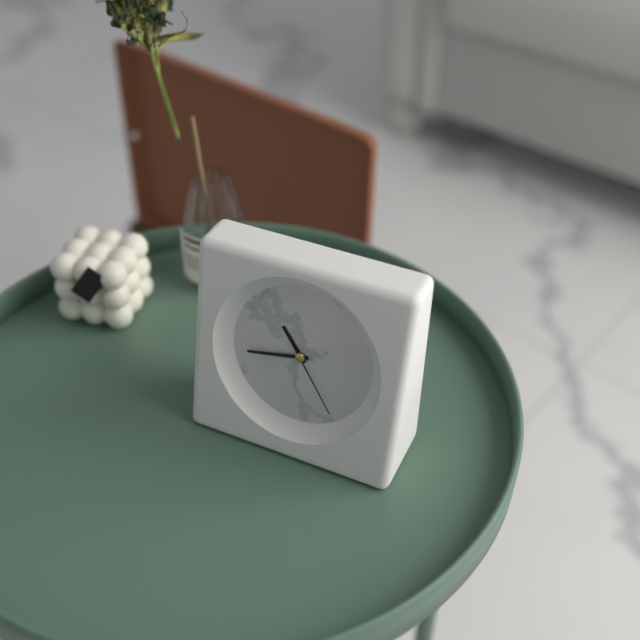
10,43,24
